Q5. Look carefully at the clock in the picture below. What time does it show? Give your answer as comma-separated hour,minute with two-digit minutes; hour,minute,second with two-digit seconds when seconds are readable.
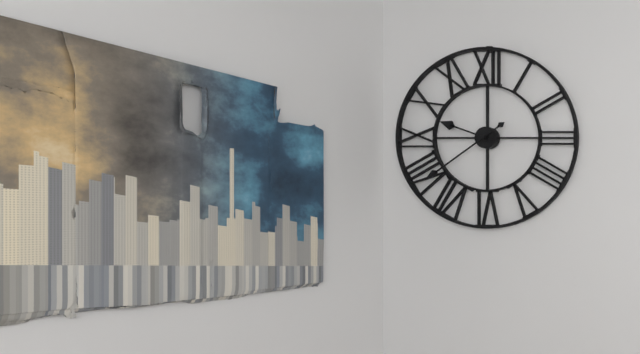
9,39
